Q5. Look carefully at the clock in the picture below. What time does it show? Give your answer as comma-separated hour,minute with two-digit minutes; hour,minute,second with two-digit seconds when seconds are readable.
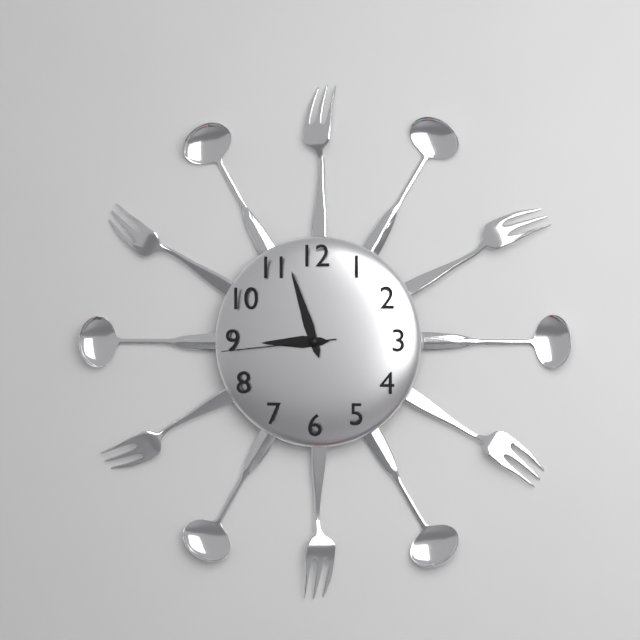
8,57,44
